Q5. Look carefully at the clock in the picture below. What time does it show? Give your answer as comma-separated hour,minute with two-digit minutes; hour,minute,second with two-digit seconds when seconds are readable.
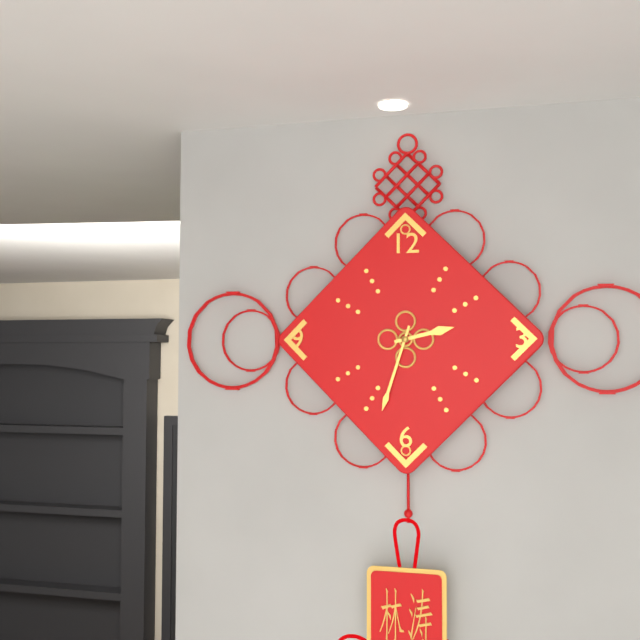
2,33
